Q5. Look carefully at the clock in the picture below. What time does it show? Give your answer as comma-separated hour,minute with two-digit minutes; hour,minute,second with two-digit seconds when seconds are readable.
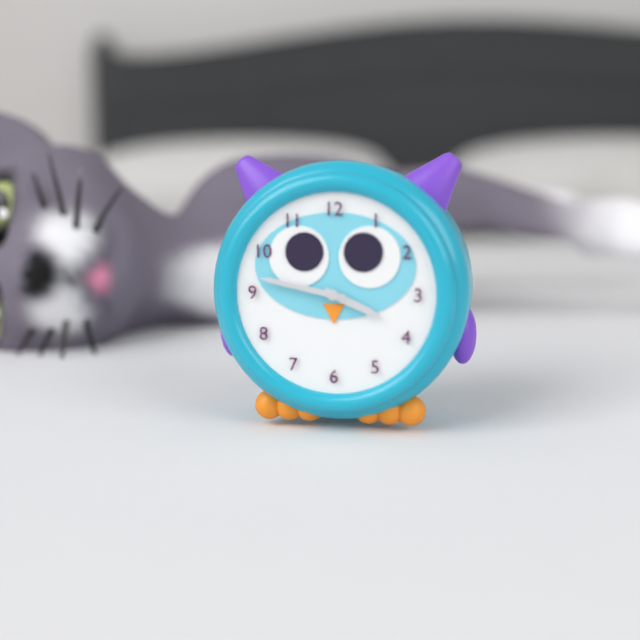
3,47
